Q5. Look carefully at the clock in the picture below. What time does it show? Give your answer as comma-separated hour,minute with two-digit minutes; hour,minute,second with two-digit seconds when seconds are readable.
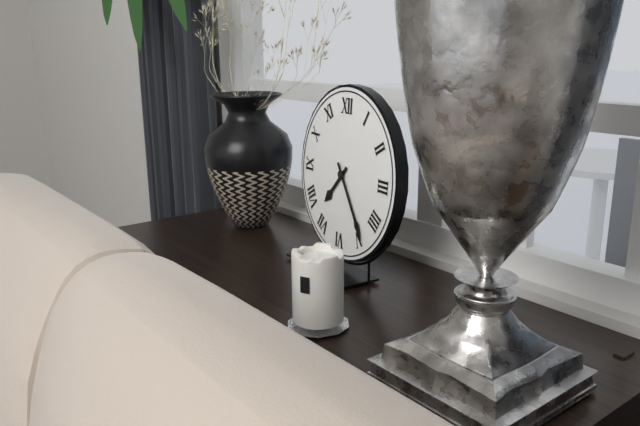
7,24
